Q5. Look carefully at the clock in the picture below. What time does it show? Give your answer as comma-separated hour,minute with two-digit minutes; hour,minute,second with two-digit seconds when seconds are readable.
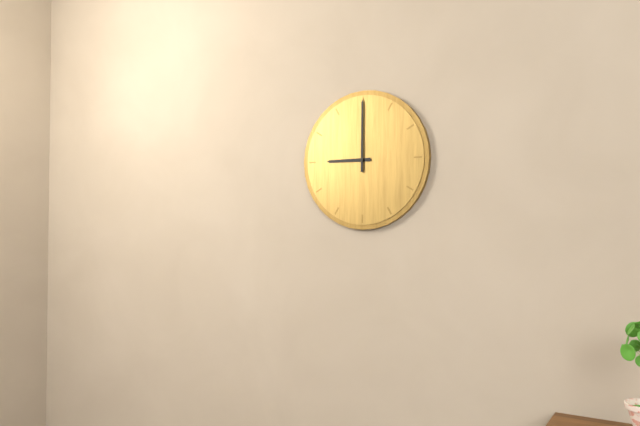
9,00
